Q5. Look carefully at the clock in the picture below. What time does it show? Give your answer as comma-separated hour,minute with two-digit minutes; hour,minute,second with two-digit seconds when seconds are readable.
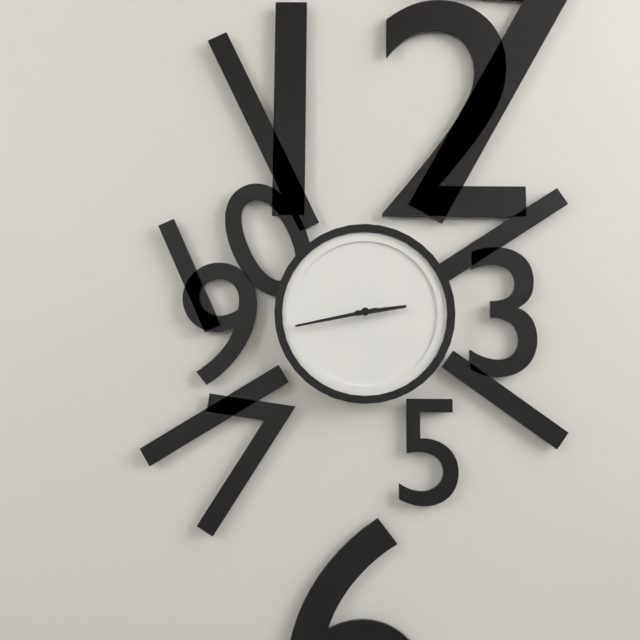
2,43
